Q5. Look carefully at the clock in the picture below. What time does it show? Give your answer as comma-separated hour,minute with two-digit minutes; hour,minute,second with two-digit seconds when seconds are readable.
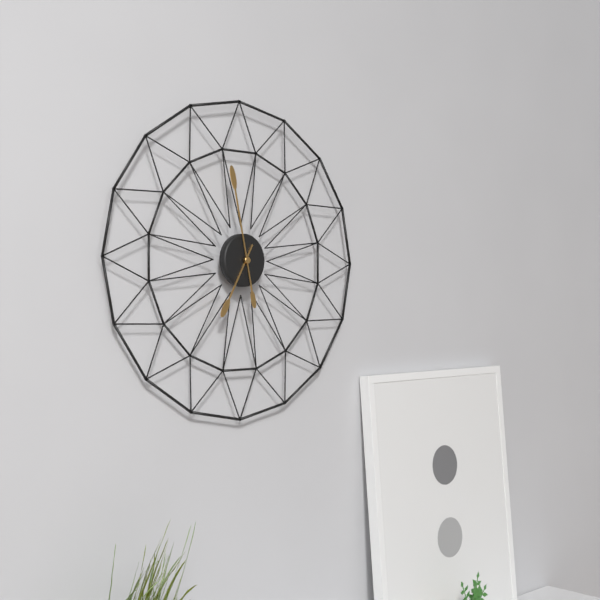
6,58
